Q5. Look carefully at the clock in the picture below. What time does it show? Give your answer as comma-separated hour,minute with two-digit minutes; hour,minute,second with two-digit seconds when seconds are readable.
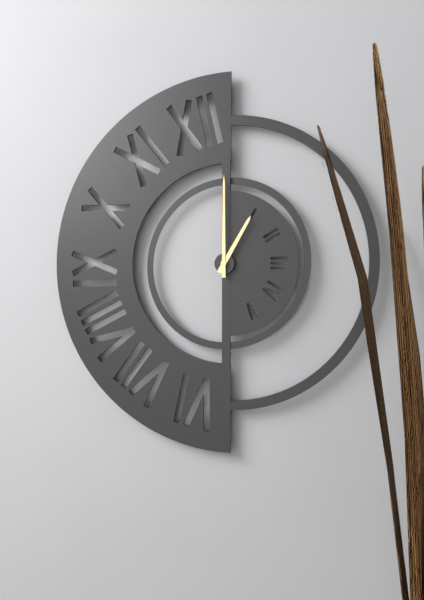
1,00
